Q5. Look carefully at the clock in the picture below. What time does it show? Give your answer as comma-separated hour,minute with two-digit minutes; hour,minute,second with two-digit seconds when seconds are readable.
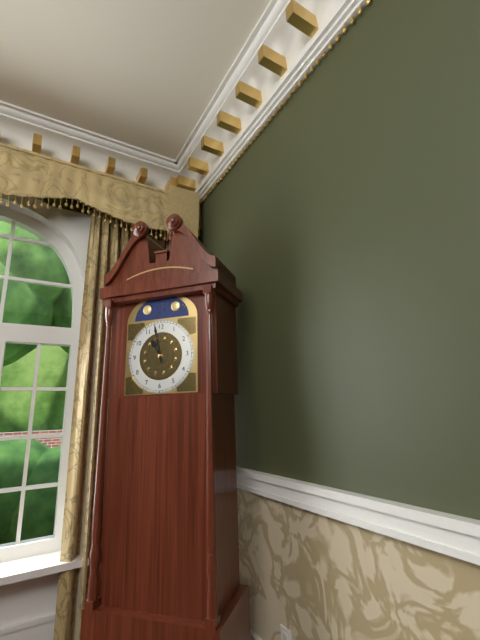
10,58
